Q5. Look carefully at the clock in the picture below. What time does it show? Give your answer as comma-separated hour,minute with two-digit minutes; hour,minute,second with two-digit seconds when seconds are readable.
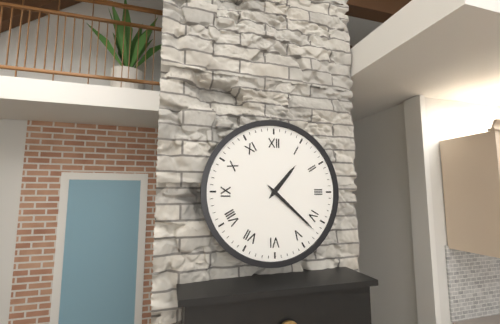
1,22
